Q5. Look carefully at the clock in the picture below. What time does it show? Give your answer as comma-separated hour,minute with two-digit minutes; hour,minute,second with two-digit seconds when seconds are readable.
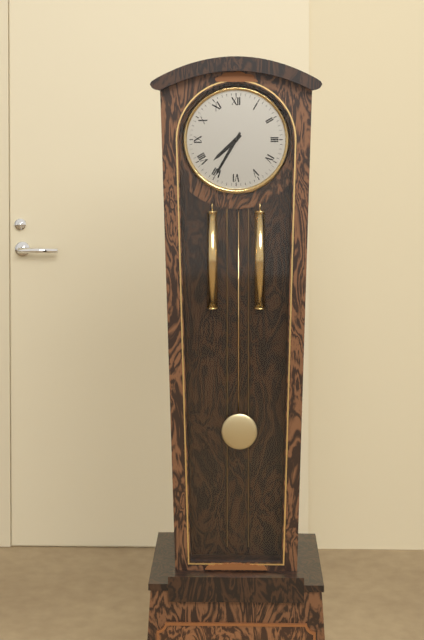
7,35
